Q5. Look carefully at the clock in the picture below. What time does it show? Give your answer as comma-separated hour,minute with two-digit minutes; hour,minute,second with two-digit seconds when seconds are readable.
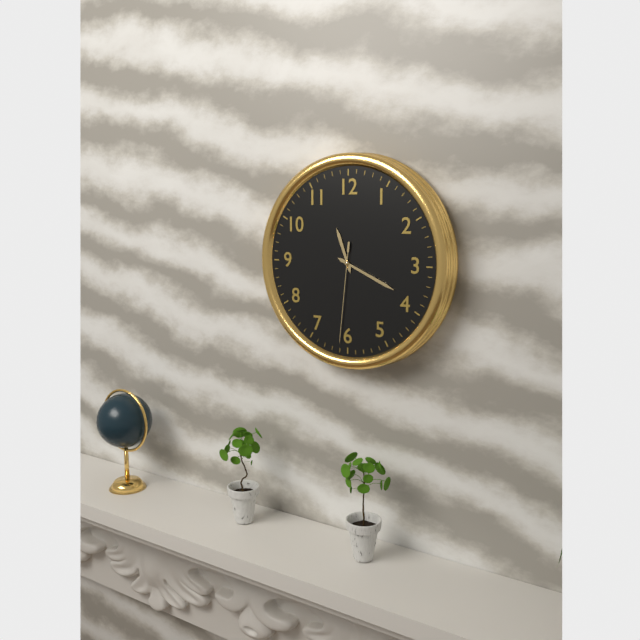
11,19,31
